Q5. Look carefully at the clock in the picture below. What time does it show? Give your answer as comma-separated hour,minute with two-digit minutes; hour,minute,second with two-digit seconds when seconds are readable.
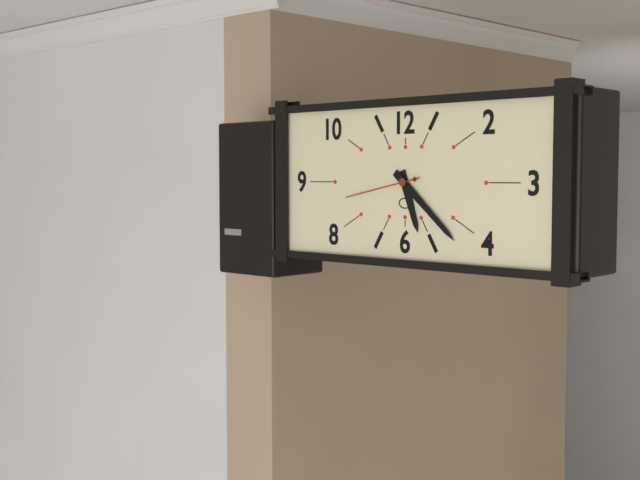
5,22,43
